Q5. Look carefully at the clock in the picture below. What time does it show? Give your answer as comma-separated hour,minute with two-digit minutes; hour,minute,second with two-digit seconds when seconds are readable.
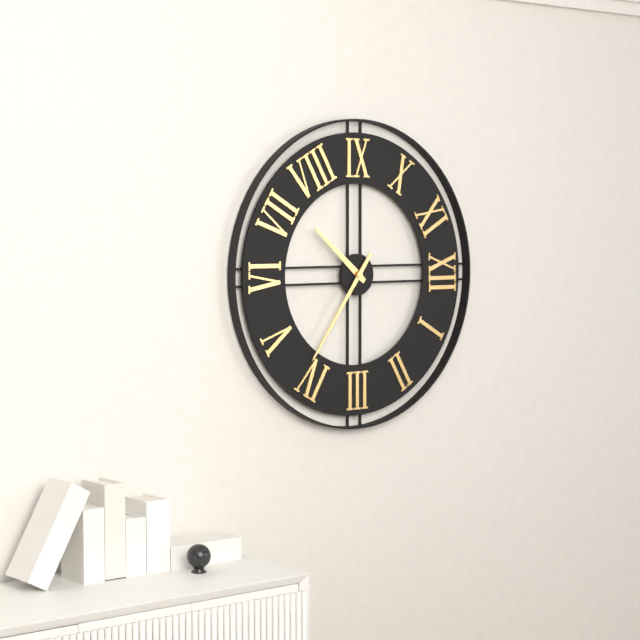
7,21
